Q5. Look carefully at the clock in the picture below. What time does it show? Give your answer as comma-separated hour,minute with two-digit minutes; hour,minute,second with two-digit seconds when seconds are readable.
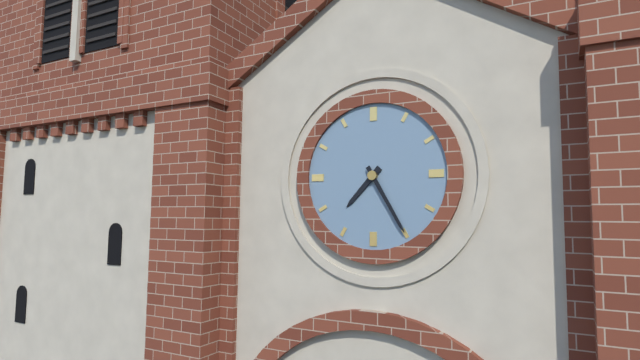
7,25
